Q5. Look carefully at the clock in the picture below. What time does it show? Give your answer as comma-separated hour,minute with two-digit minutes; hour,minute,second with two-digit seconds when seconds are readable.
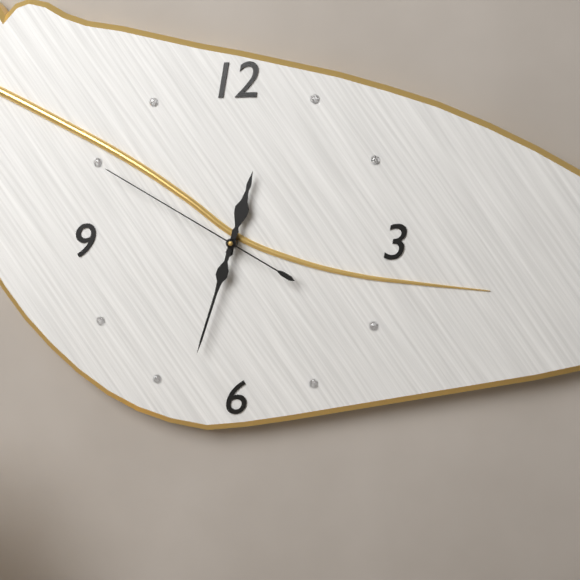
12,33,50
